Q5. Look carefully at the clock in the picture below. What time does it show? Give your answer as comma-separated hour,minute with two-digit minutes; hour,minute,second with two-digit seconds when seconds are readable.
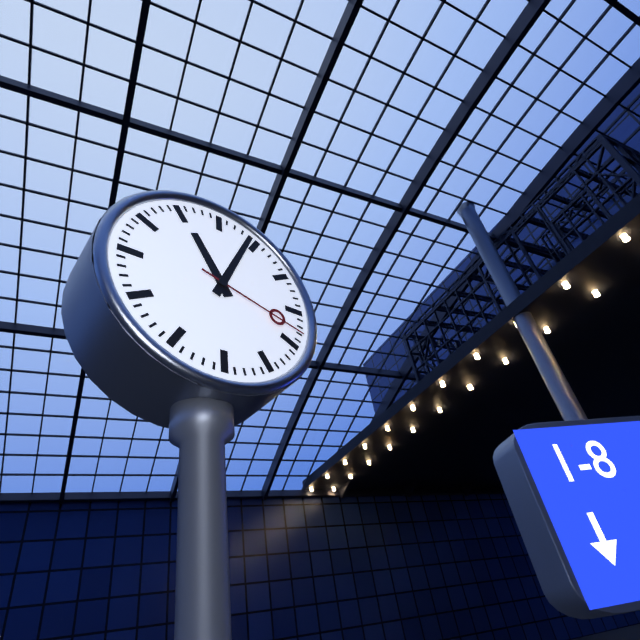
11,04,18
